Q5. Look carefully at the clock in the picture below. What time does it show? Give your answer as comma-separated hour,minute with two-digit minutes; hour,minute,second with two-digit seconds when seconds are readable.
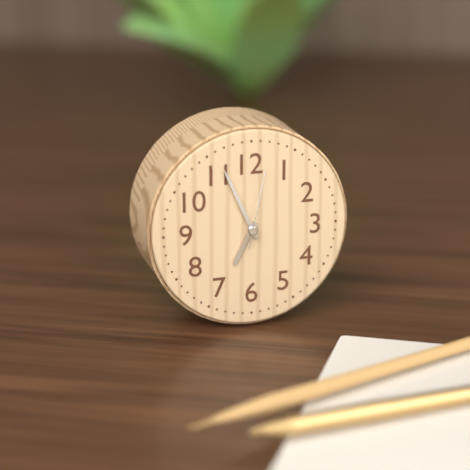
6,56,02
